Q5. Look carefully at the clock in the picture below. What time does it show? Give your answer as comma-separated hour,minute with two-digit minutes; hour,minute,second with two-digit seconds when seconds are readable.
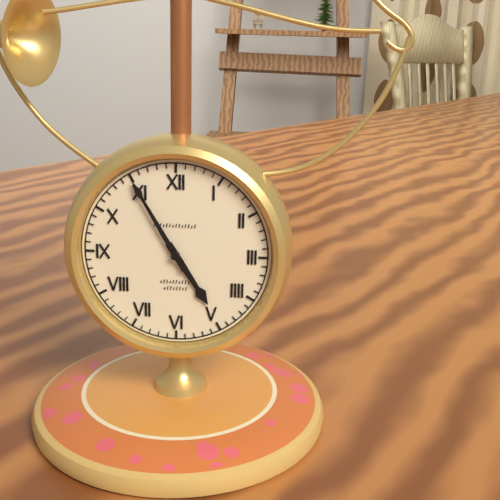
4,55
